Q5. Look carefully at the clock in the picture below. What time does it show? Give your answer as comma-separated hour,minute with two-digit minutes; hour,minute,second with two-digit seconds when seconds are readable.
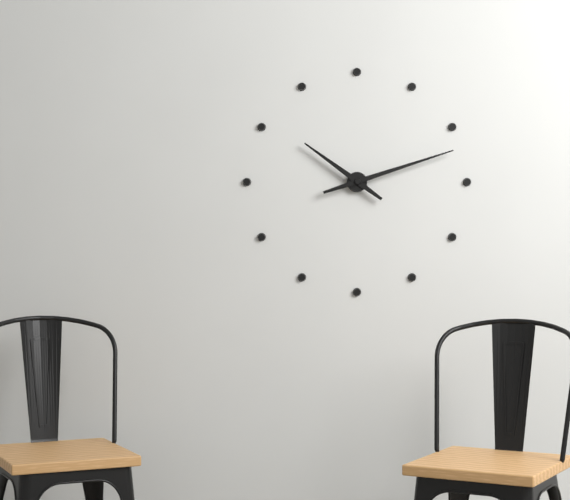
10,12
